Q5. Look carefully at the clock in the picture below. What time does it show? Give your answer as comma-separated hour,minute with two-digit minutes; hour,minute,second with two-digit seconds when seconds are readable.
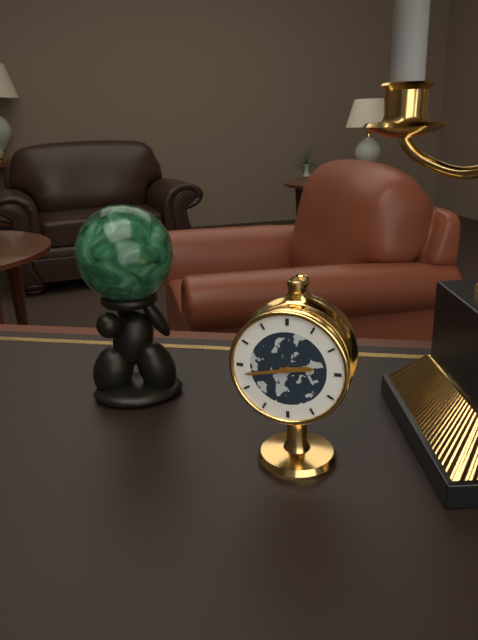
2,43
